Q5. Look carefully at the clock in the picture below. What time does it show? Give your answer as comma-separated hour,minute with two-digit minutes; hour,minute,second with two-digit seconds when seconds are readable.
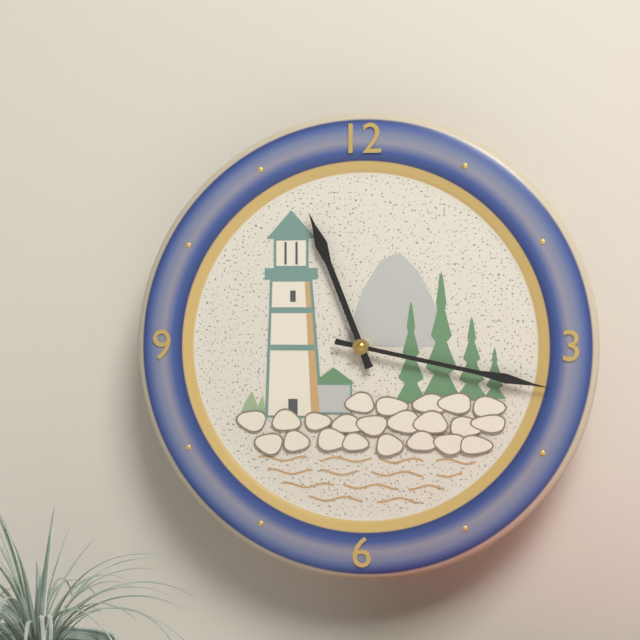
11,17
